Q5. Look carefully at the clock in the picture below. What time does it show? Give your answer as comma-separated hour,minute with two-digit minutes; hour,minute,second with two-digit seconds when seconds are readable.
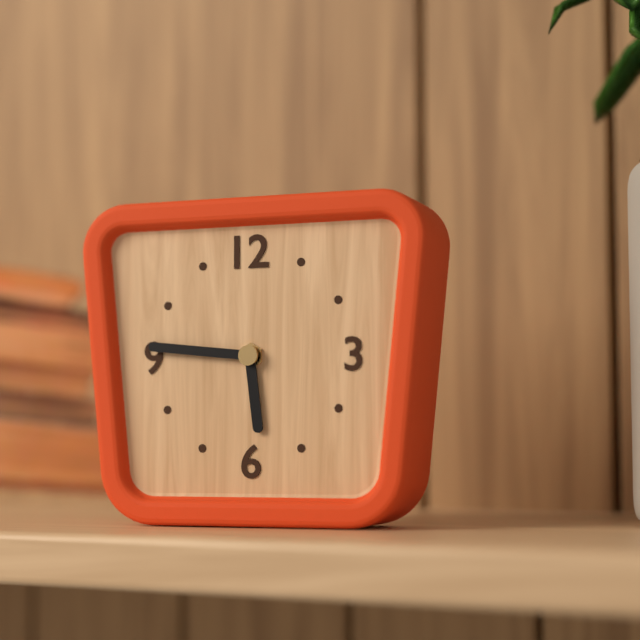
5,46
